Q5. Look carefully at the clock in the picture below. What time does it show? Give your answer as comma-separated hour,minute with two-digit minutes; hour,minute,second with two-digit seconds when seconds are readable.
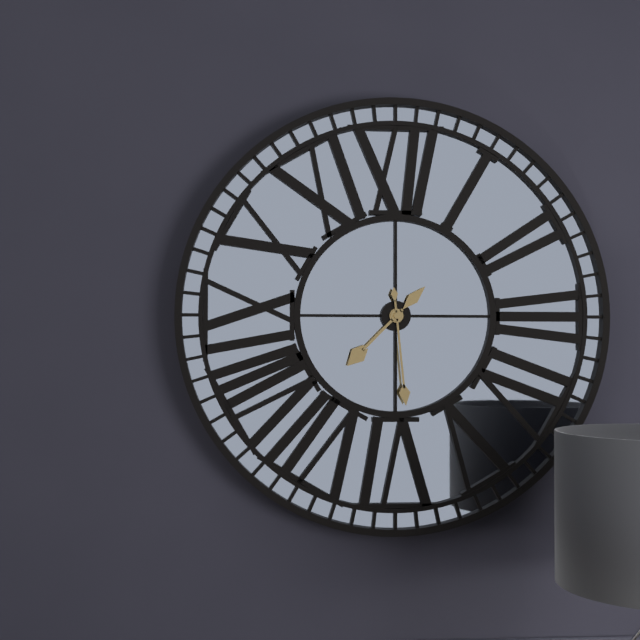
7,29
